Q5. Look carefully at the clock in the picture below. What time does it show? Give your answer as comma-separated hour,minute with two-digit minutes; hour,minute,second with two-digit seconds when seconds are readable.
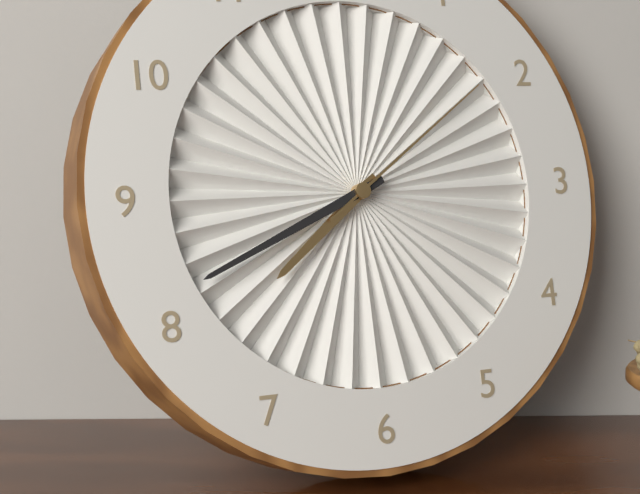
7,41,09
